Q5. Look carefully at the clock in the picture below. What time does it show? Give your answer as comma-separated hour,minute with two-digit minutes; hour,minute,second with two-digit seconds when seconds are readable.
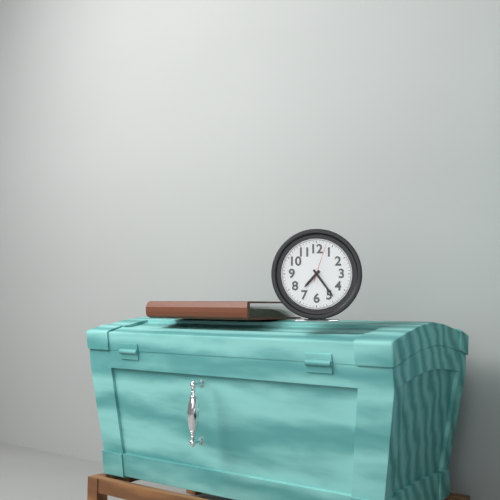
7,24
